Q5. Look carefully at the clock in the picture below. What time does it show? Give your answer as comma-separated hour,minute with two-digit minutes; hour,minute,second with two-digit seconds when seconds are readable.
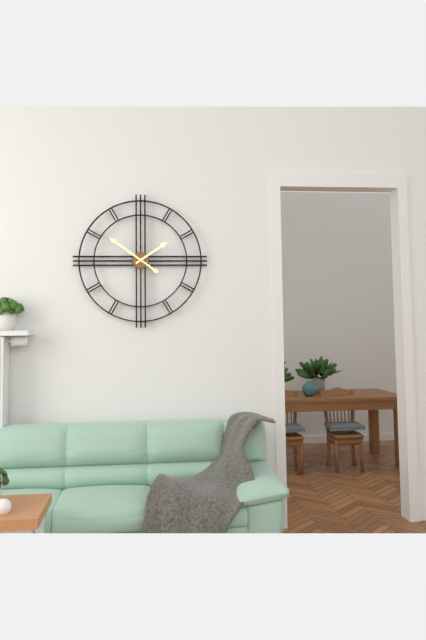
1,51
